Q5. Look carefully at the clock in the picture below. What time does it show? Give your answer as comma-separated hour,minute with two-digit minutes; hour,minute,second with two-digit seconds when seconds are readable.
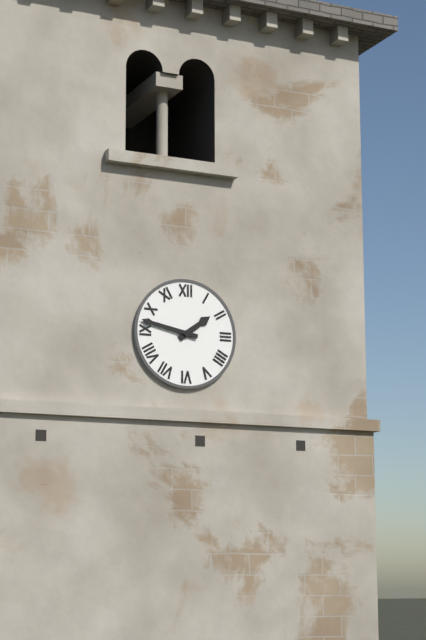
1,47
